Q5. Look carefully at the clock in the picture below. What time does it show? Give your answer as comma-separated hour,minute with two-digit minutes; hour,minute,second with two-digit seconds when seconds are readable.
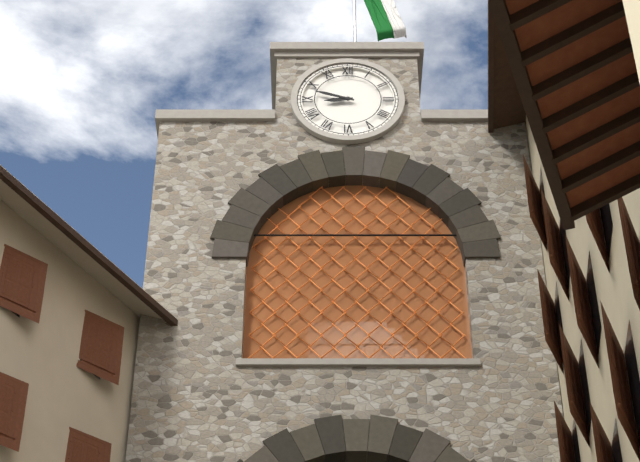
8,48
